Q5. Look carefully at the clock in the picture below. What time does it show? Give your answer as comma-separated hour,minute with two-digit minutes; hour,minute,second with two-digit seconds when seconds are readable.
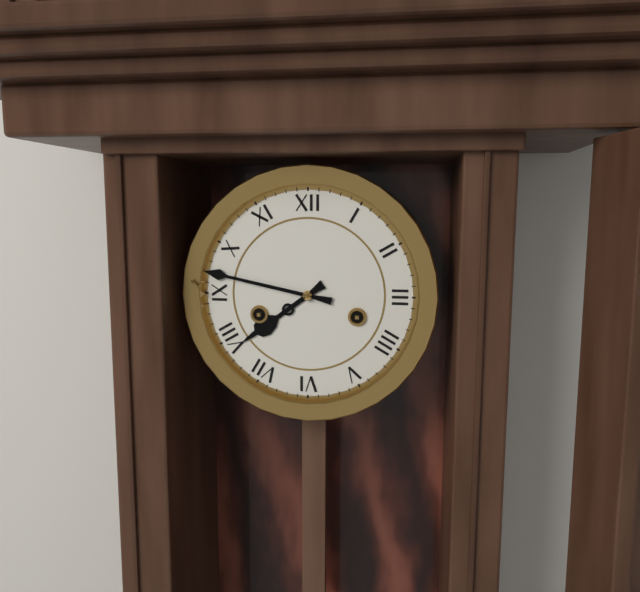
7,47
